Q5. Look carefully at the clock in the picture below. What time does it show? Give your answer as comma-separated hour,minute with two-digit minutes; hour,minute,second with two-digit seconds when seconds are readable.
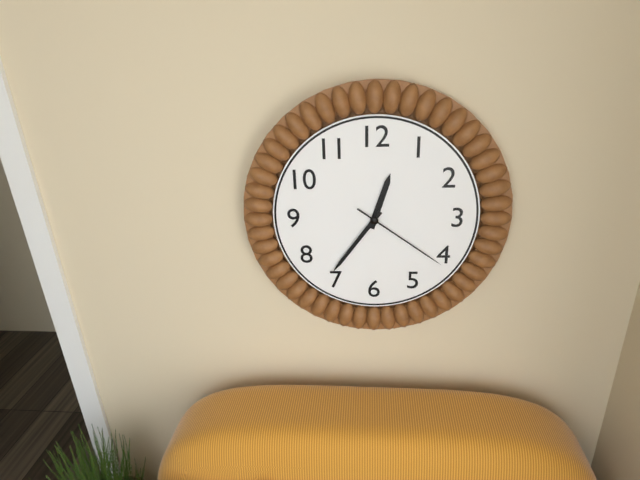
12,36,21
